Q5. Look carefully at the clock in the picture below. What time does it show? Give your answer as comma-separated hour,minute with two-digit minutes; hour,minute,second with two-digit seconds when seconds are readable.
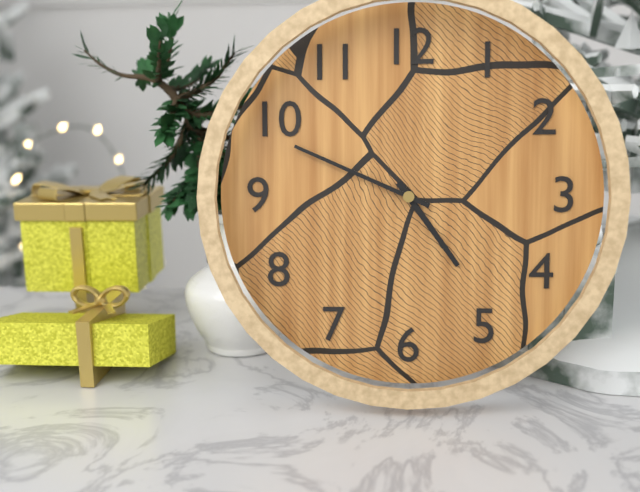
4,49
